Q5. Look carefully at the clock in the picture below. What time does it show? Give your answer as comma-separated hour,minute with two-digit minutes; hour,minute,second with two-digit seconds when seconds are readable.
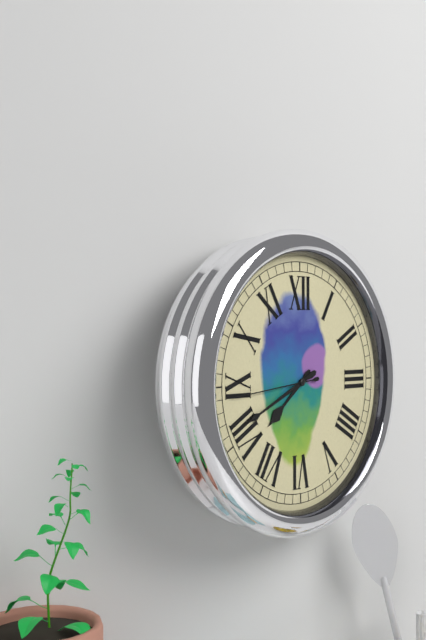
7,41
